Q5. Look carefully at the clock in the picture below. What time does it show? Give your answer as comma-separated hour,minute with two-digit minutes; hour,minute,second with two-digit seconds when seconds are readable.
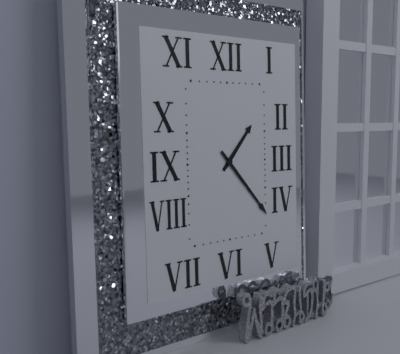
1,23
